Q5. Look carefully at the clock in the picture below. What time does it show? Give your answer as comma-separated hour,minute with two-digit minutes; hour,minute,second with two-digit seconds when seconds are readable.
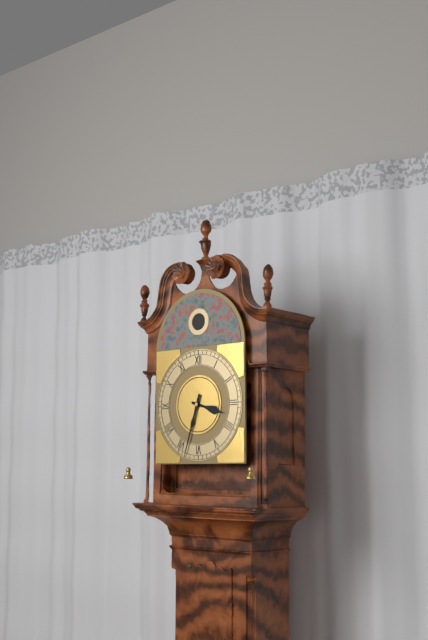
3,33
